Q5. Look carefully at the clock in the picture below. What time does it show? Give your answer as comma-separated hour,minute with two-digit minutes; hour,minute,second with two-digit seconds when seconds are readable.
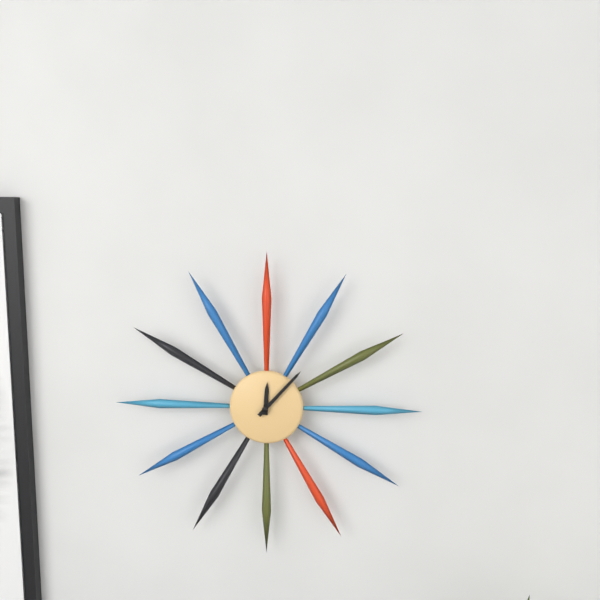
12,07
